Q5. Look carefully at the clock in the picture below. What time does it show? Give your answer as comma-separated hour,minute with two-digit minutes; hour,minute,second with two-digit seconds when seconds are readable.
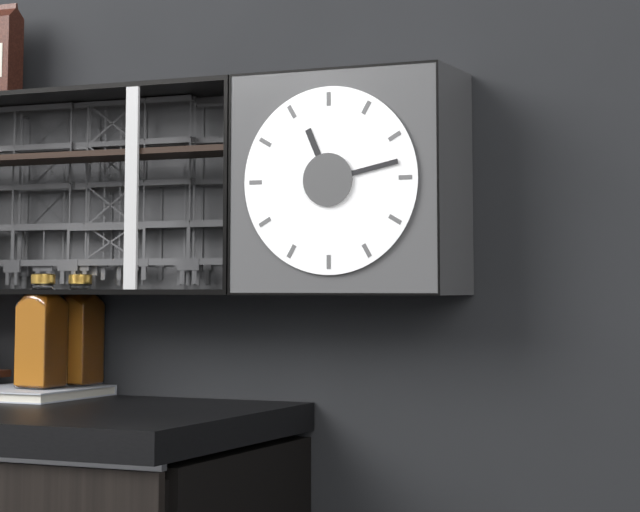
11,13
